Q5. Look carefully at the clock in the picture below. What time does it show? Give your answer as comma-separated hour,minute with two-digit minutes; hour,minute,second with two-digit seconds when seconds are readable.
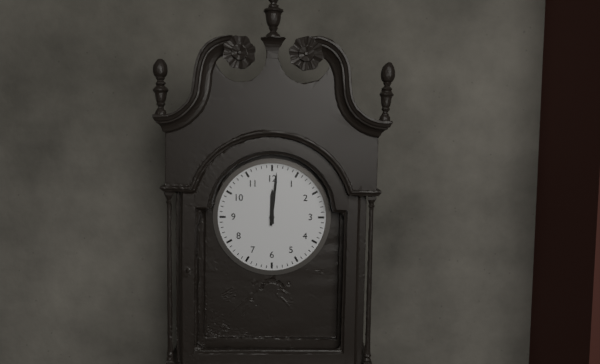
12,01
